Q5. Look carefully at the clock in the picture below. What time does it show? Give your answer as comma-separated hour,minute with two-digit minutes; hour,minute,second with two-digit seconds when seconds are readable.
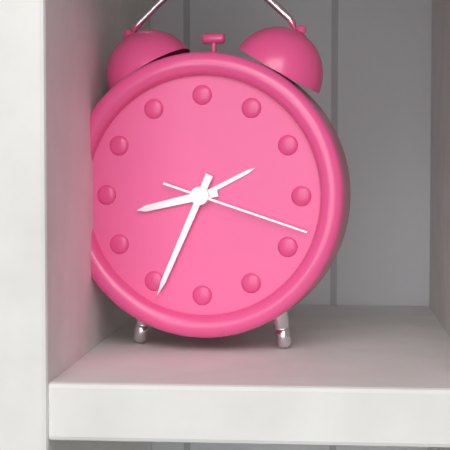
8,34,18
